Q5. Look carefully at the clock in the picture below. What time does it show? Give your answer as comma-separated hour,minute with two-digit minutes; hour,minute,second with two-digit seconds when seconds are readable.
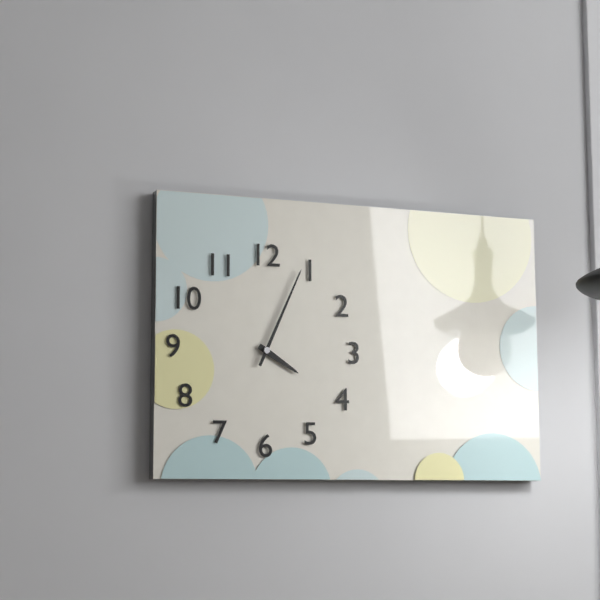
4,04
